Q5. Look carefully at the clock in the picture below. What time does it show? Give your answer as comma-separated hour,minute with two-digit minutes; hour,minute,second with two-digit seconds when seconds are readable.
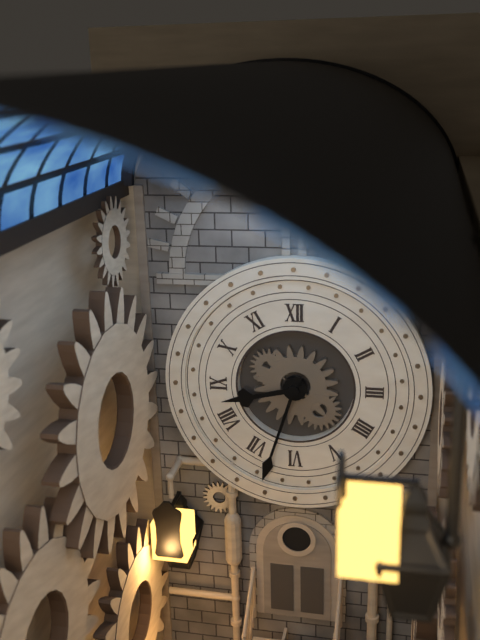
8,33
